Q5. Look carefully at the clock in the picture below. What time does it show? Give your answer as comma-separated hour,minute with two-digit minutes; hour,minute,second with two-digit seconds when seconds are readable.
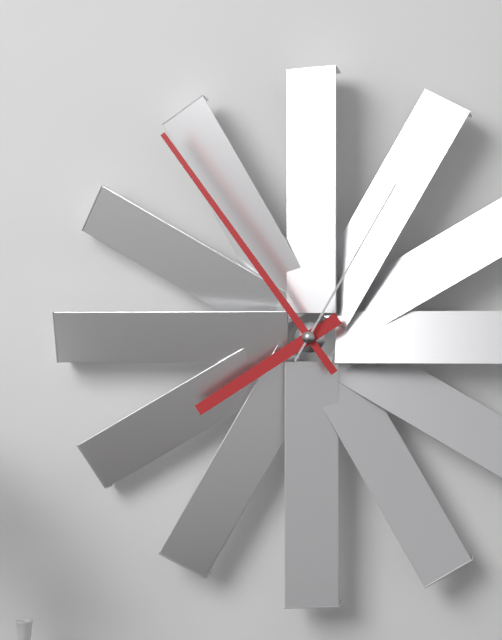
7,54,05
